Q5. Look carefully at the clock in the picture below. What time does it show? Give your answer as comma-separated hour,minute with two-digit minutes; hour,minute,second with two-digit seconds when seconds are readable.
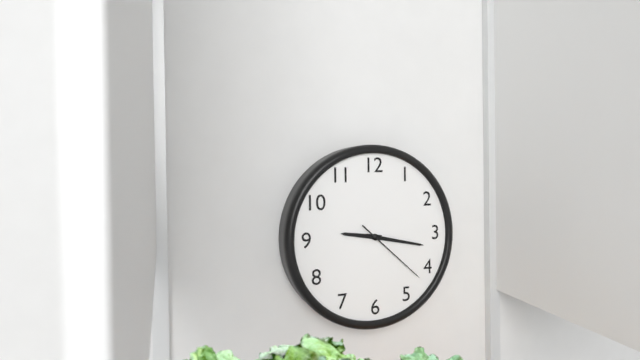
9,17,22
